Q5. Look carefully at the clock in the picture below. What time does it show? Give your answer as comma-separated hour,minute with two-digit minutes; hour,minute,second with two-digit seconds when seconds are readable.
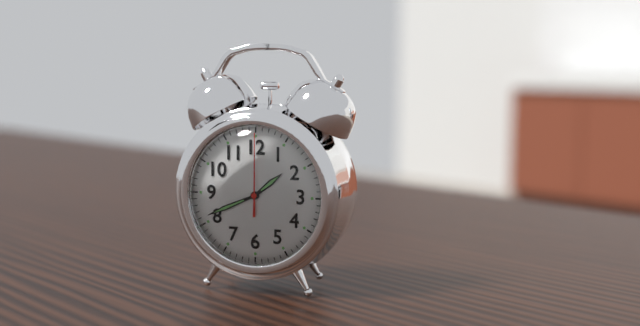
1,41,00
